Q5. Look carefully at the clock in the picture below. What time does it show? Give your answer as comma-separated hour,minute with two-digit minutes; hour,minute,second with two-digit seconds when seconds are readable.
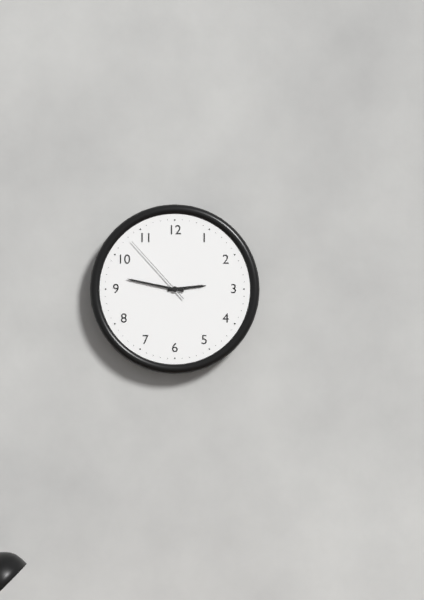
2,47,53
